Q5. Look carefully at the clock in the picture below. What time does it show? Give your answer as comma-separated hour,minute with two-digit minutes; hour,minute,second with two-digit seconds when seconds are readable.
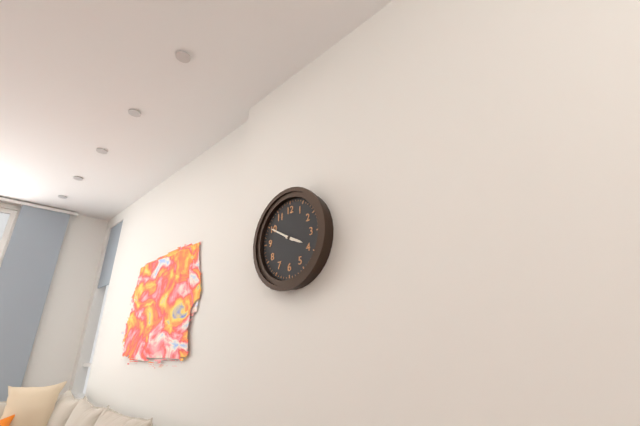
3,50
